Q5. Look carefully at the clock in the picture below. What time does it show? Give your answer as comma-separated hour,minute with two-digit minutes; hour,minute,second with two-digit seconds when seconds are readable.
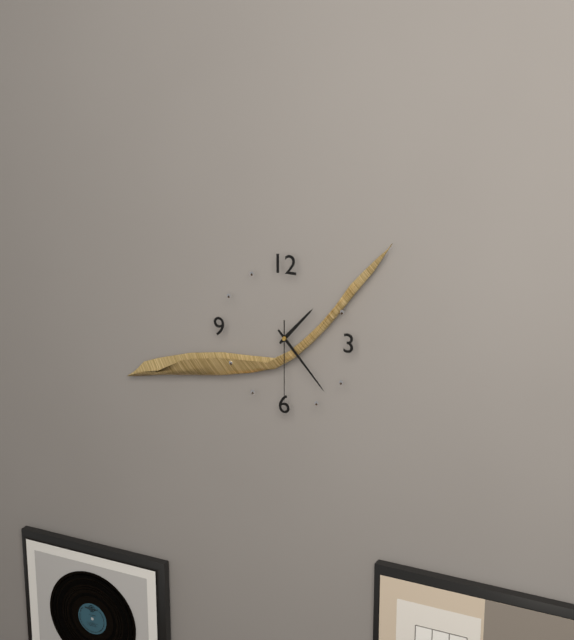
1,23,30
